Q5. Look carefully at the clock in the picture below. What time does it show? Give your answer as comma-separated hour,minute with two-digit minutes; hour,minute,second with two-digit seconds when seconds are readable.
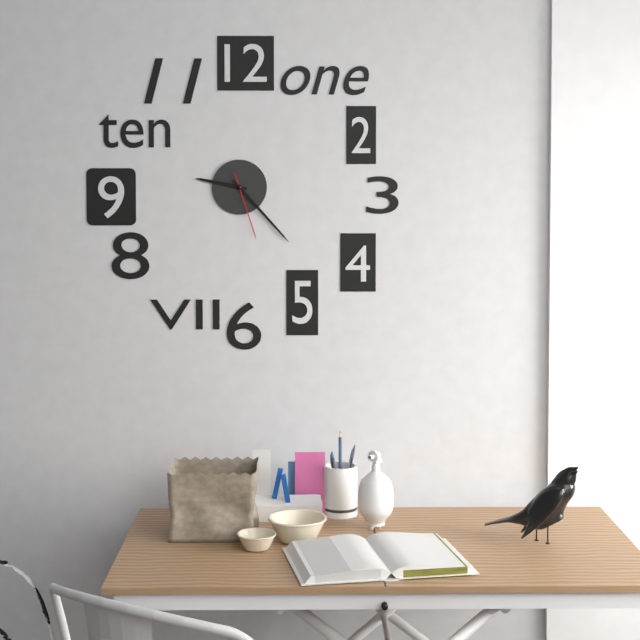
9,23,27
